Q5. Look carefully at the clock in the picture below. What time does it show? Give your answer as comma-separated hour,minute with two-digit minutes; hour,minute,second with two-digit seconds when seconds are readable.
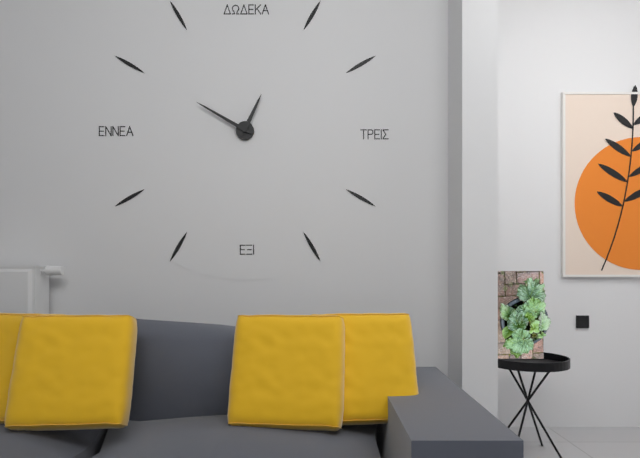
12,50
